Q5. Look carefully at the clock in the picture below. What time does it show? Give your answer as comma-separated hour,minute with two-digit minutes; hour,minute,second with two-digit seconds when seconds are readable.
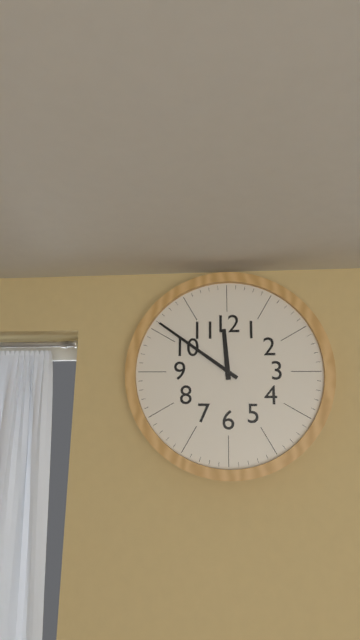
11,51
